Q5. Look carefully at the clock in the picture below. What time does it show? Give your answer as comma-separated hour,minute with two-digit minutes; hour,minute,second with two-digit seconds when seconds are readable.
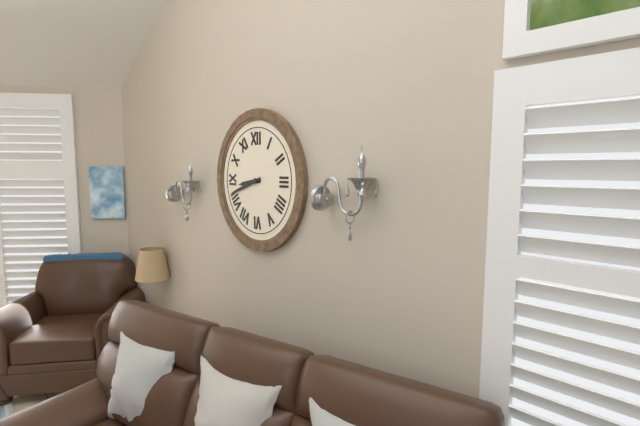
8,42
